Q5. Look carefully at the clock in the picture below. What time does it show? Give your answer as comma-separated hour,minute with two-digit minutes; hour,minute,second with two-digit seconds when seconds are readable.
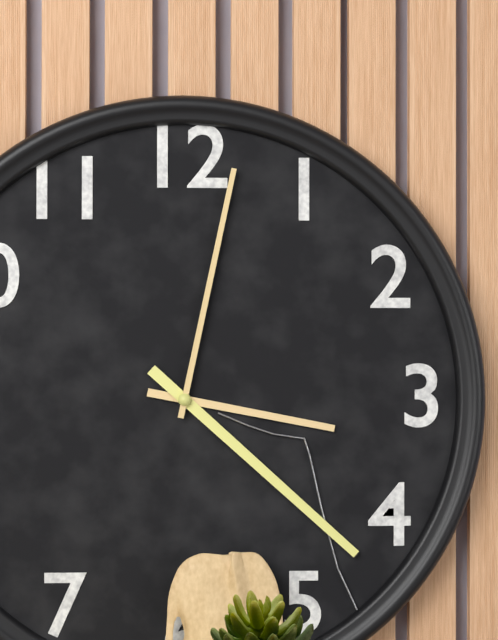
3,22,02
